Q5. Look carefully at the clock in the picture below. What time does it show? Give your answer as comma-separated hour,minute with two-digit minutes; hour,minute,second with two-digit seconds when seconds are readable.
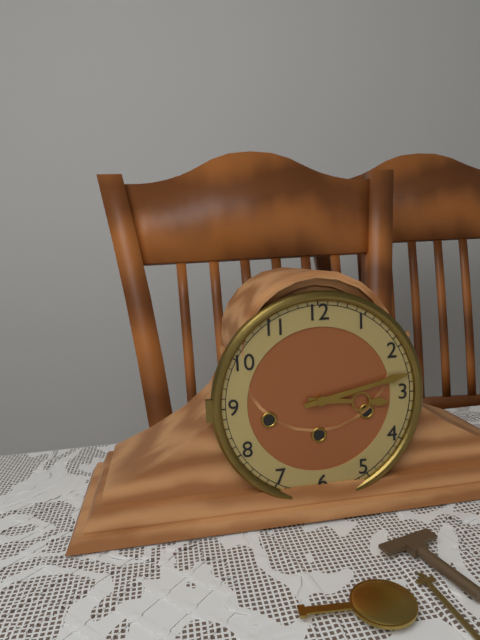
3,13
